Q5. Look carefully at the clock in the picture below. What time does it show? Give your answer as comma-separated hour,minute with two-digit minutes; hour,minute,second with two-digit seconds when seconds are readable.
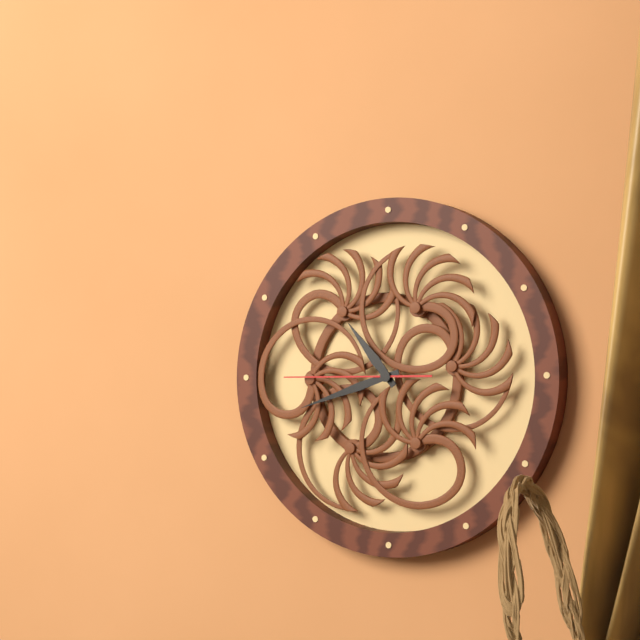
10,42,45
